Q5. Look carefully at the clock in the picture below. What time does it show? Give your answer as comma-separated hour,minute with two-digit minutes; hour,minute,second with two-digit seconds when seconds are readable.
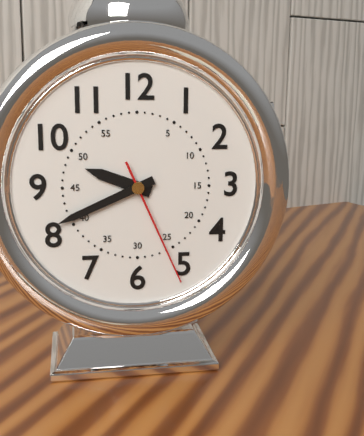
9,41,26
